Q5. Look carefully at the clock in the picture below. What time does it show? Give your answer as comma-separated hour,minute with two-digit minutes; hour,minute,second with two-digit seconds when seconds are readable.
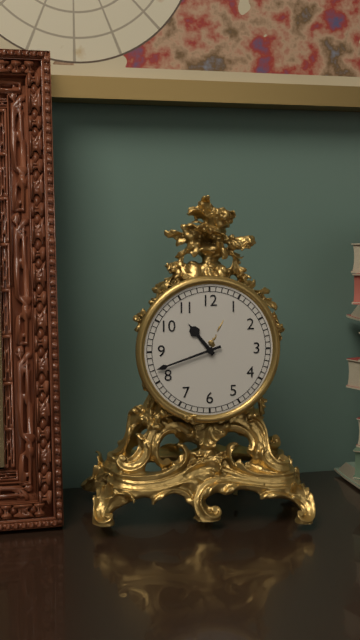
10,42
